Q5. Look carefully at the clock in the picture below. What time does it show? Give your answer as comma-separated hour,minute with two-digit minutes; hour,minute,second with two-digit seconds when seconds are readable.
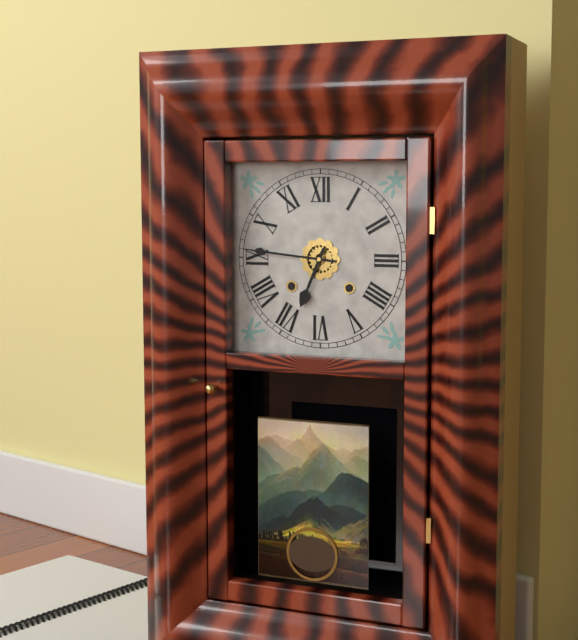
6,46
